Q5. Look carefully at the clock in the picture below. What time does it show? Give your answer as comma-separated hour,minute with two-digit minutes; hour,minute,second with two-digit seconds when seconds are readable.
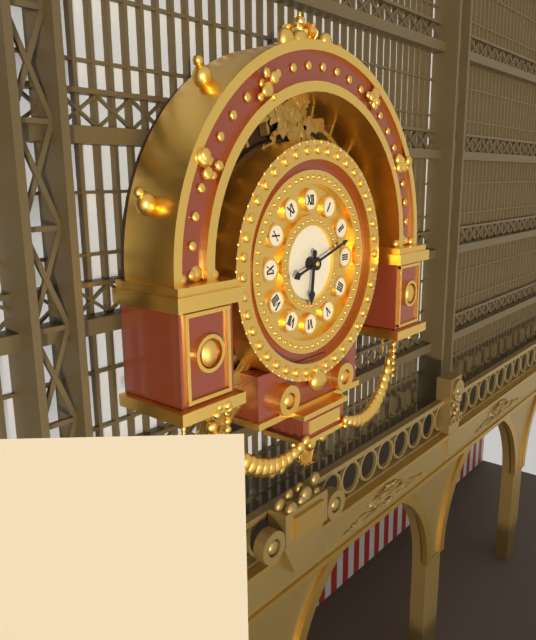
6,12
